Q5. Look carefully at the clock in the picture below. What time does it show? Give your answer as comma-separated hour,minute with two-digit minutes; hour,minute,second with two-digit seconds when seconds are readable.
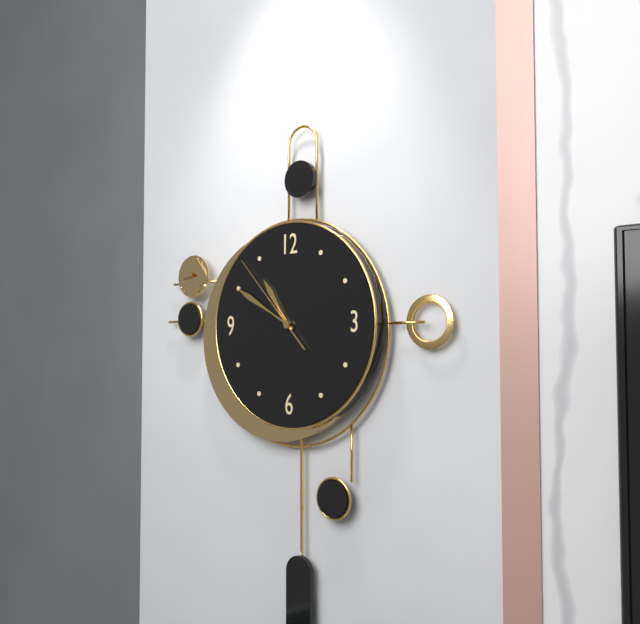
10,50,53
